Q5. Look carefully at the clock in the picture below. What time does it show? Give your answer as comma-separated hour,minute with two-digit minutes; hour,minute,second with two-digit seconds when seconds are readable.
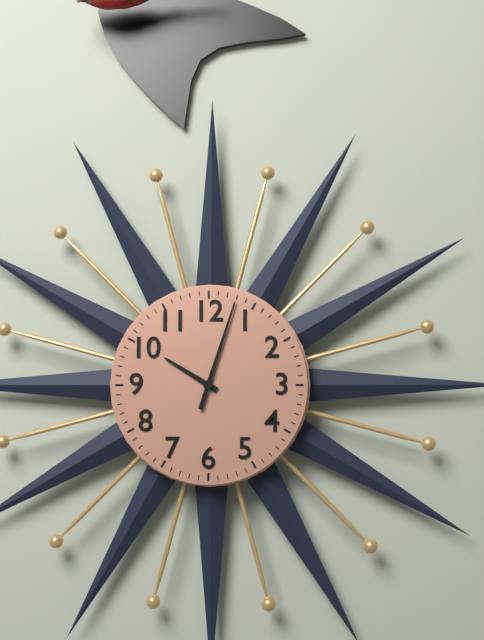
10,03
